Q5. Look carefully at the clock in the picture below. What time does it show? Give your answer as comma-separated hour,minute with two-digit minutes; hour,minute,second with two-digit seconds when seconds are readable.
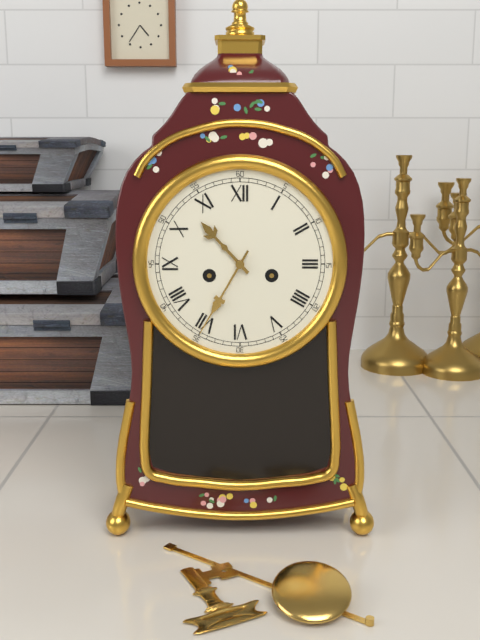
10,35
